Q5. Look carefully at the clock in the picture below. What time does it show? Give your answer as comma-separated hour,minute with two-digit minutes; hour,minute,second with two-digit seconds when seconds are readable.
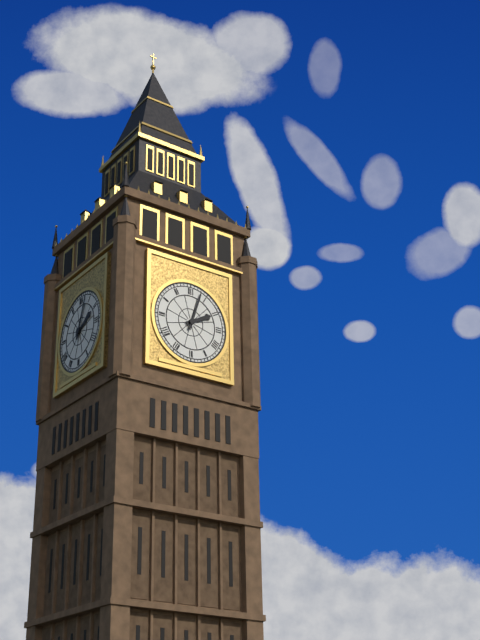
2,03
